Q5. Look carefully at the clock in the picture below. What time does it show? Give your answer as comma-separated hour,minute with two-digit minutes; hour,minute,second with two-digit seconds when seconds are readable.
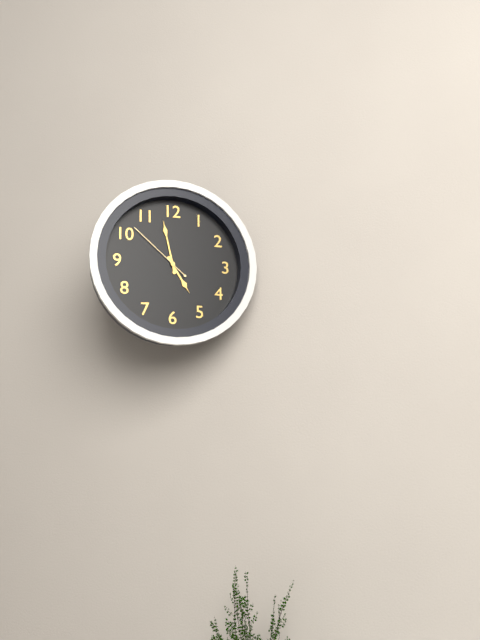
4,58,52
